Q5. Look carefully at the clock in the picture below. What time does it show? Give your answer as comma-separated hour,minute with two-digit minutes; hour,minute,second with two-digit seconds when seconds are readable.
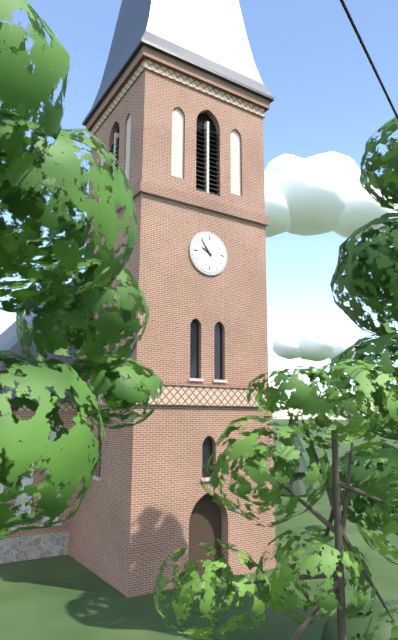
9,54
